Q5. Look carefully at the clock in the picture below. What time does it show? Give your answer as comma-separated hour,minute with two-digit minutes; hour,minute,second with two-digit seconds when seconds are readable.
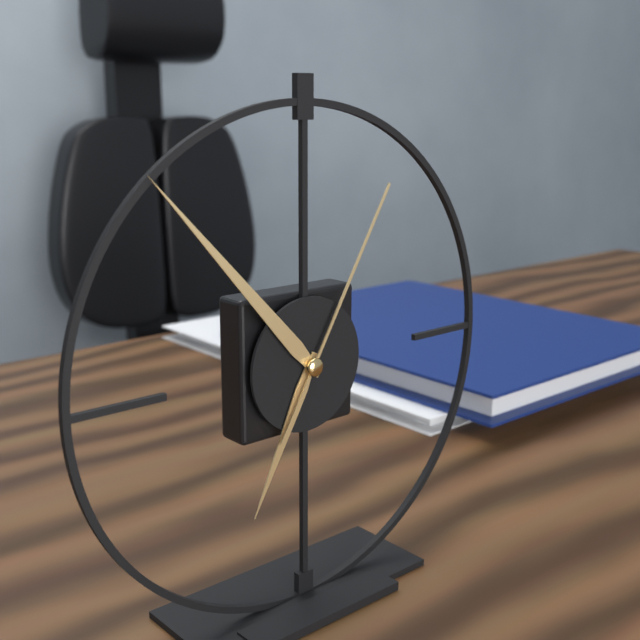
6,53,05
